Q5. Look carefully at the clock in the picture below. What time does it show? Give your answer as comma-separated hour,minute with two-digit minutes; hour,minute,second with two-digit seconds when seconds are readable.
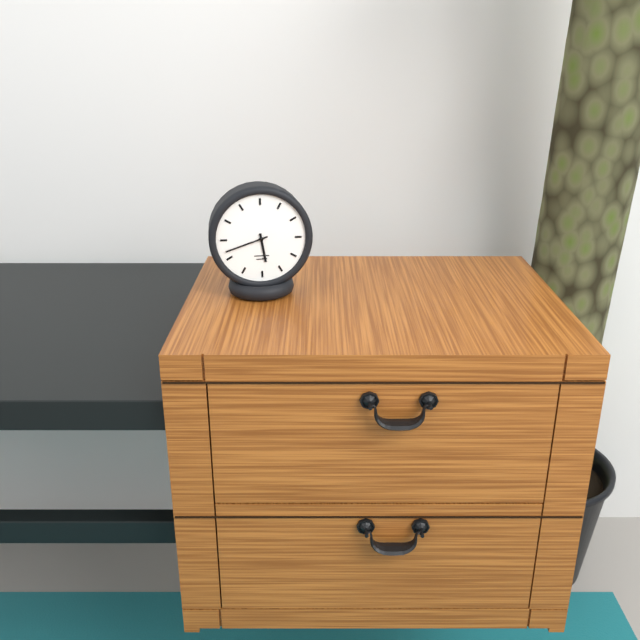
5,42
